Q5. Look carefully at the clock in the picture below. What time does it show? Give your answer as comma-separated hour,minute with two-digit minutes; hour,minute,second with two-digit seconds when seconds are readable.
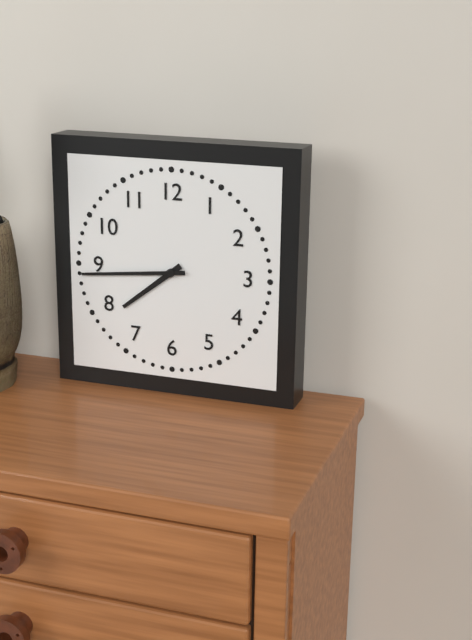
7,44
